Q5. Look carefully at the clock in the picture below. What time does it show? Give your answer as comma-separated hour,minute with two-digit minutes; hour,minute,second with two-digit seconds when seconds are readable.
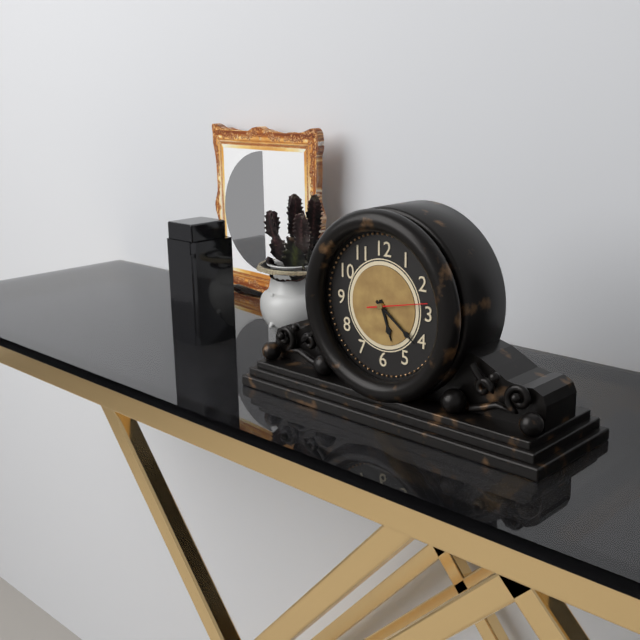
5,21,13
